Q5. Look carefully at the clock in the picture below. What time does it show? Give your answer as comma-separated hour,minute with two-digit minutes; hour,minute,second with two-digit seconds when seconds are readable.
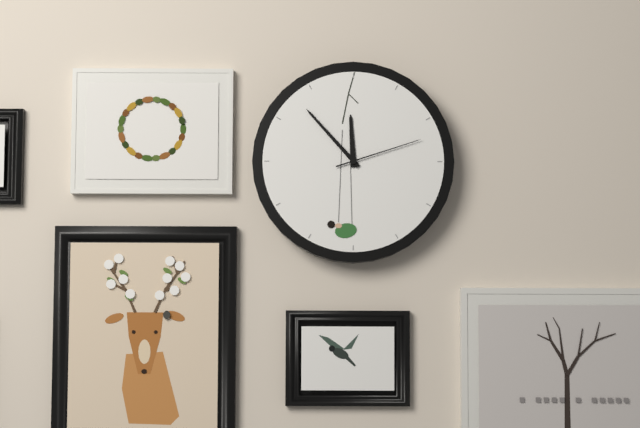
11,53,12
